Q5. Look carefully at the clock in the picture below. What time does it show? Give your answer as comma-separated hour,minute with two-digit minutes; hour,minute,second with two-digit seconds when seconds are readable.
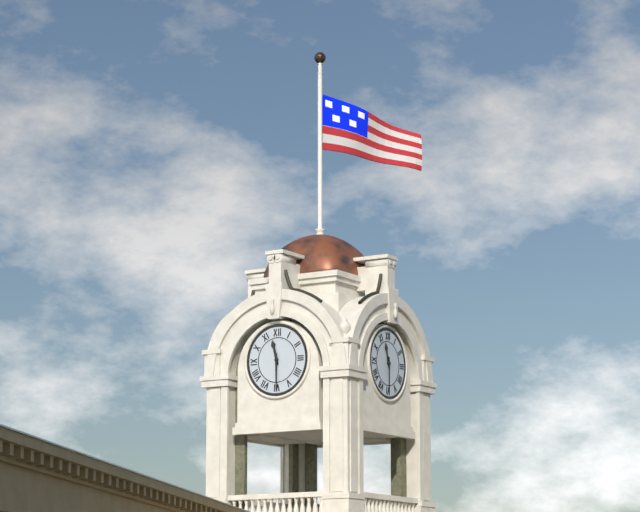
11,30
